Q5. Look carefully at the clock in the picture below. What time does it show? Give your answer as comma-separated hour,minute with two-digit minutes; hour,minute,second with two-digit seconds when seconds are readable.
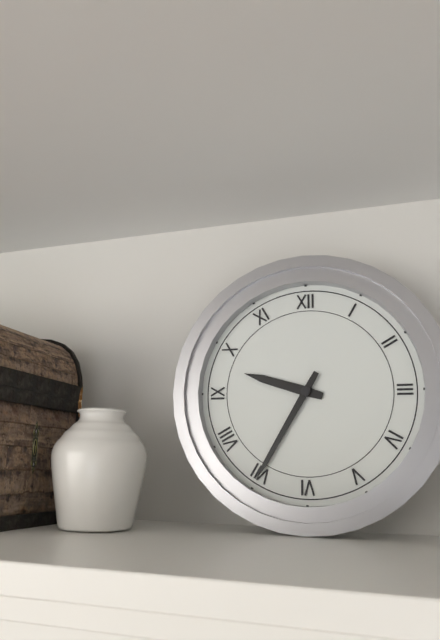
9,35
